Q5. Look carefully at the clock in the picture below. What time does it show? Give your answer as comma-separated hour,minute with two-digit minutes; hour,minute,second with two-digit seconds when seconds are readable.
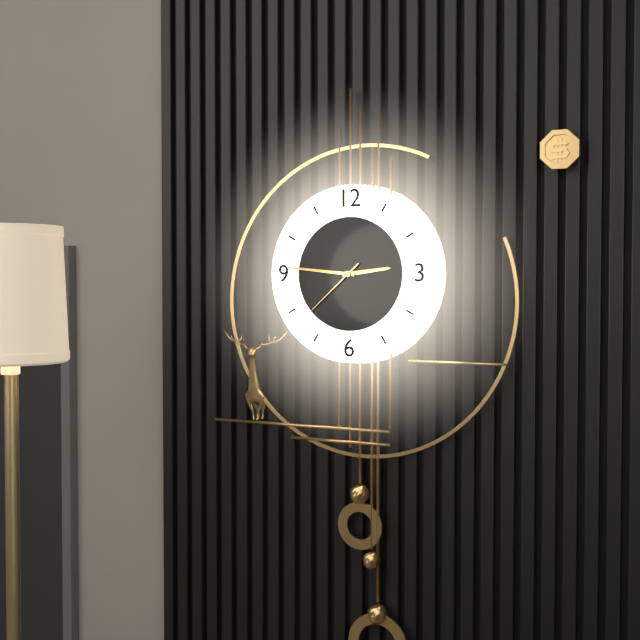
2,46,38
